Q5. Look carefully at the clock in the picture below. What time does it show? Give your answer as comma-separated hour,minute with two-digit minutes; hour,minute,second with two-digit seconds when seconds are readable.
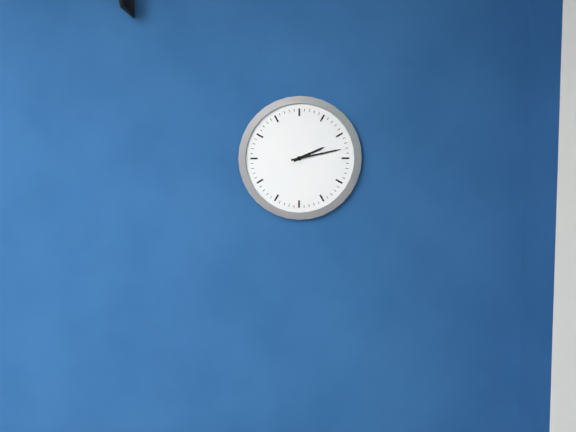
2,13
